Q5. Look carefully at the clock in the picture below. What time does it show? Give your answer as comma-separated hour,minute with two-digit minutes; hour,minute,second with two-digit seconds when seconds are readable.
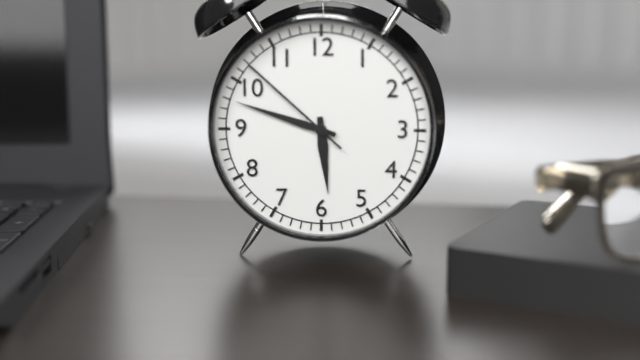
5,48,52
